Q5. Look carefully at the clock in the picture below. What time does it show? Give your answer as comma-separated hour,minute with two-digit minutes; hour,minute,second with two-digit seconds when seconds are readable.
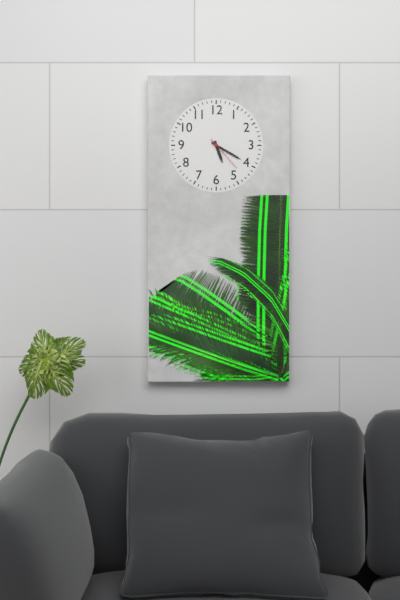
5,20
